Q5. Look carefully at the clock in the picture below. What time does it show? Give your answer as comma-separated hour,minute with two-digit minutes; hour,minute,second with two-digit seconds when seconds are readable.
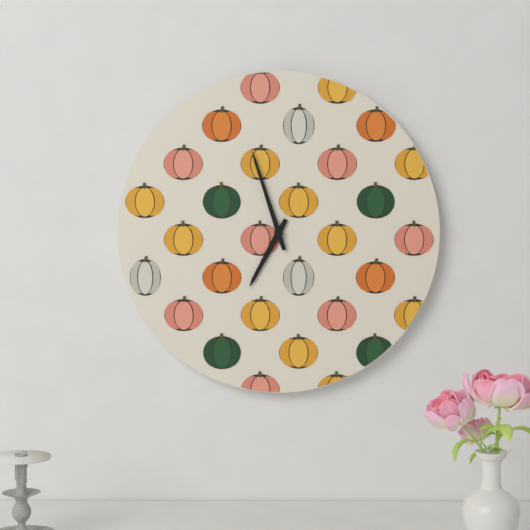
6,57
